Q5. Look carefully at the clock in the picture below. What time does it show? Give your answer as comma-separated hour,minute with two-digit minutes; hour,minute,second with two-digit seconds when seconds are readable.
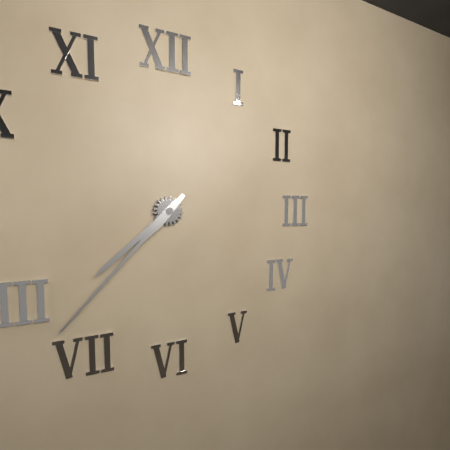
7,37
